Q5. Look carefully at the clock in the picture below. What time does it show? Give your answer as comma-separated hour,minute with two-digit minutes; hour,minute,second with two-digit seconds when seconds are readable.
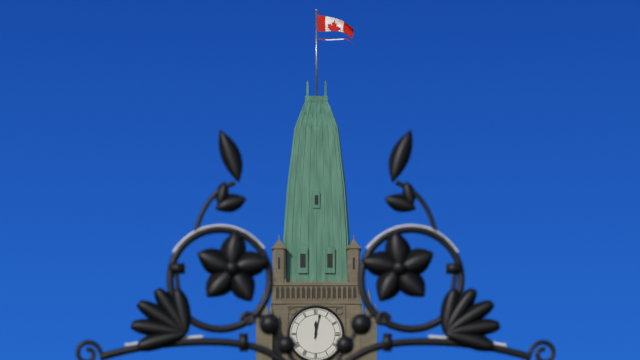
12,02
